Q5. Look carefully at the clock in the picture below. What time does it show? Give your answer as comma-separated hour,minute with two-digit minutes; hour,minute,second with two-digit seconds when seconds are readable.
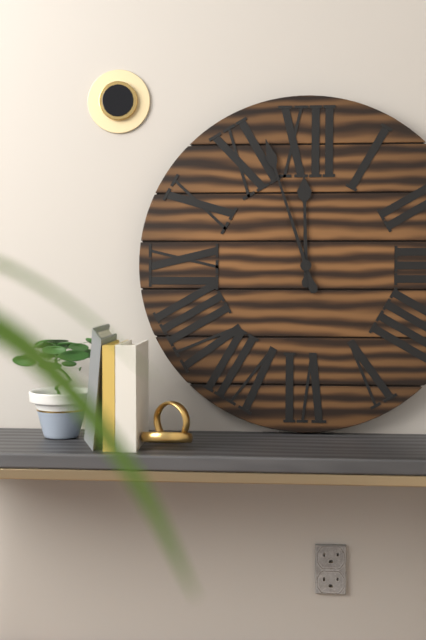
11,57
